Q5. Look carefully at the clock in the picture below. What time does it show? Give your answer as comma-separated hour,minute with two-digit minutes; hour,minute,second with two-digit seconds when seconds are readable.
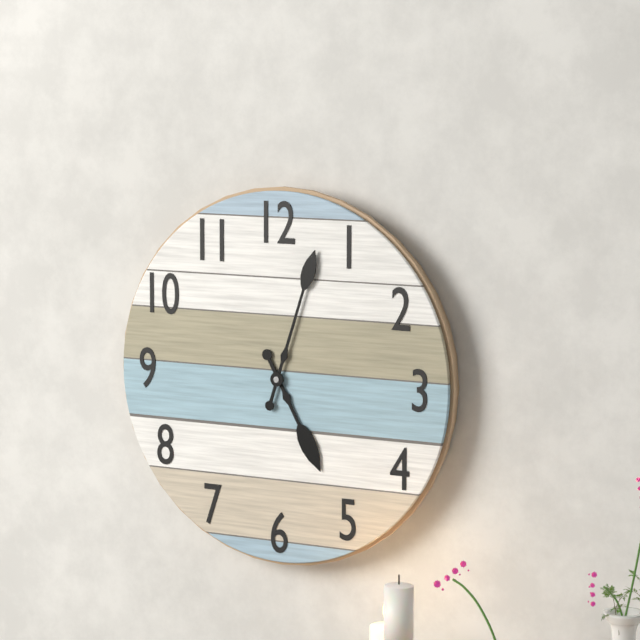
5,03
